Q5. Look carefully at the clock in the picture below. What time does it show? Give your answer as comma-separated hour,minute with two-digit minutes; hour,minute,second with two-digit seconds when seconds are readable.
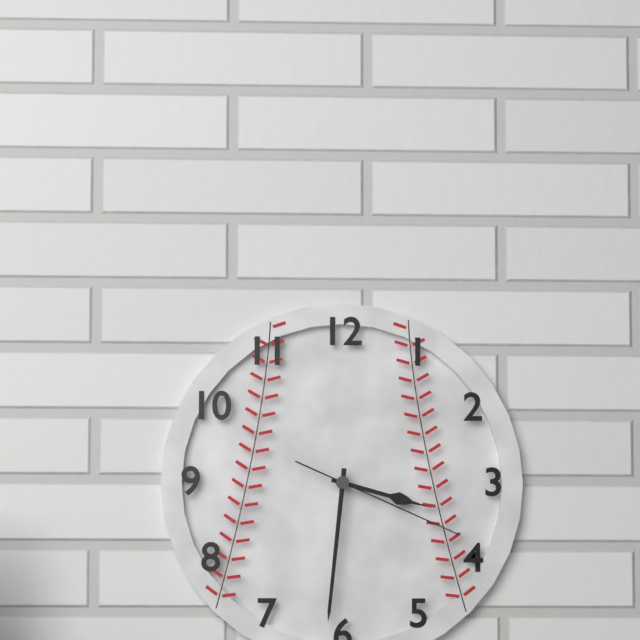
3,31,19
